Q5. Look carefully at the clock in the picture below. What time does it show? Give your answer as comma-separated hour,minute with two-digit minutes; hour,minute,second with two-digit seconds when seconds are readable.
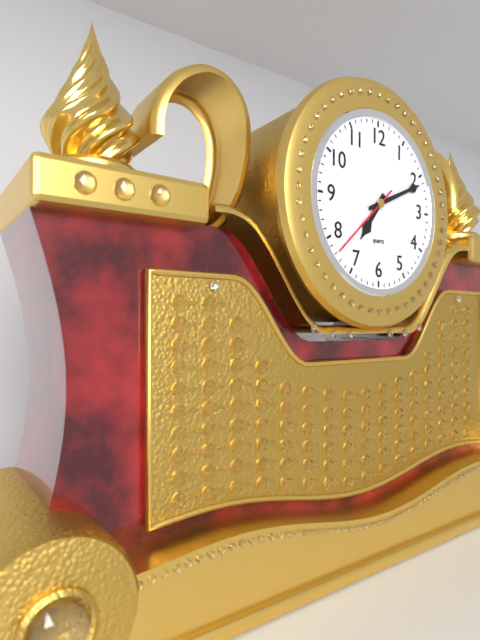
7,11,38
